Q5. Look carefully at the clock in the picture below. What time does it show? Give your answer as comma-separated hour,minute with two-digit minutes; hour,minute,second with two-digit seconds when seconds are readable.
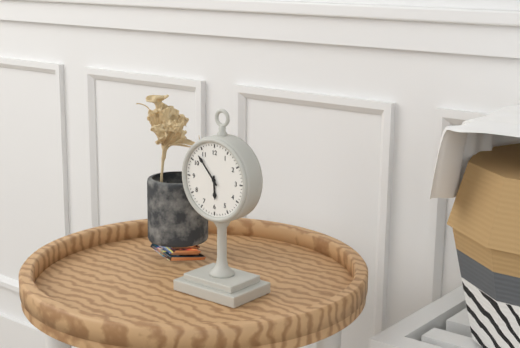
5,53
